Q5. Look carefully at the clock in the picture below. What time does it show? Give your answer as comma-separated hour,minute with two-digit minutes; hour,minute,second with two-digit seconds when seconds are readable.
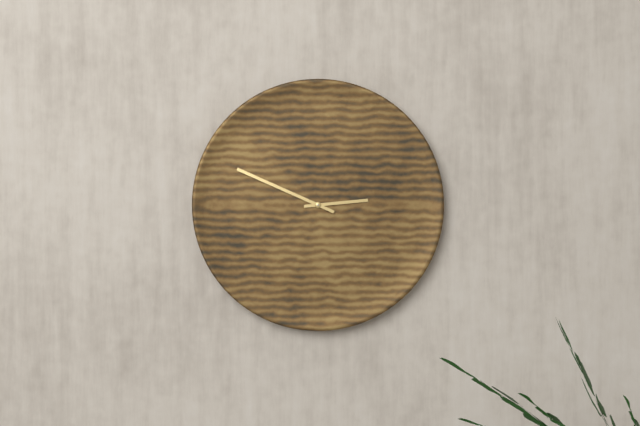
2,49
